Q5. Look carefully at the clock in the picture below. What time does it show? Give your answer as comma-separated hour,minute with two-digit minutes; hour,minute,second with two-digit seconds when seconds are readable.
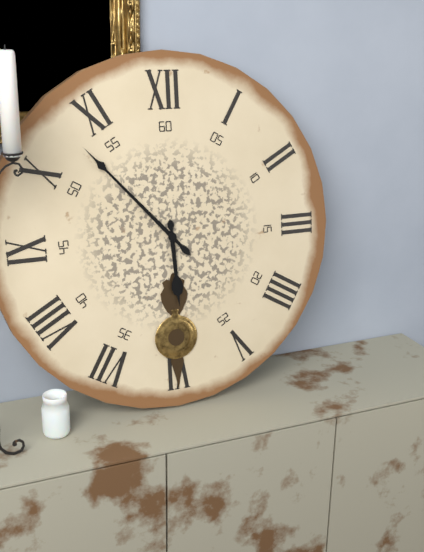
5,53
